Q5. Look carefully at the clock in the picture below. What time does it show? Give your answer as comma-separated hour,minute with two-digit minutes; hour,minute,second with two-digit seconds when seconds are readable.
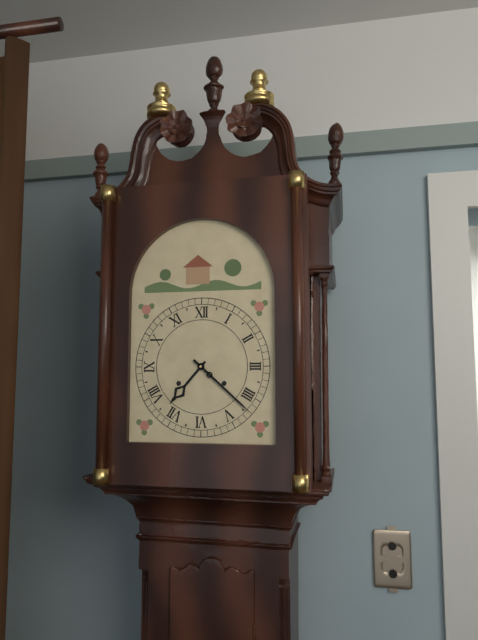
7,22
